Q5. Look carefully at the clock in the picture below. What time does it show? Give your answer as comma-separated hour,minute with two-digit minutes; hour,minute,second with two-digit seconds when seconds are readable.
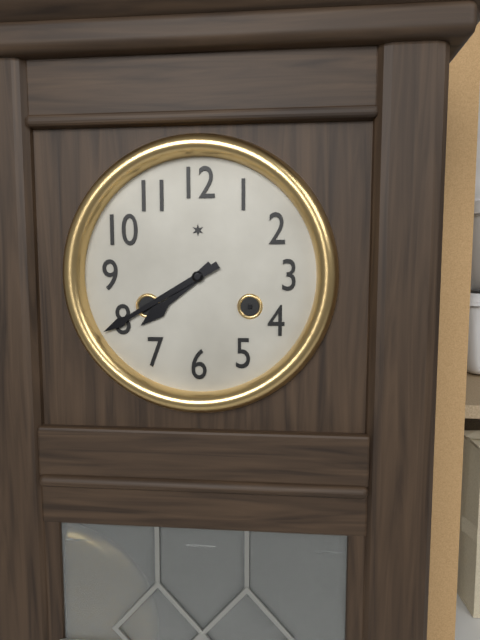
7,40
